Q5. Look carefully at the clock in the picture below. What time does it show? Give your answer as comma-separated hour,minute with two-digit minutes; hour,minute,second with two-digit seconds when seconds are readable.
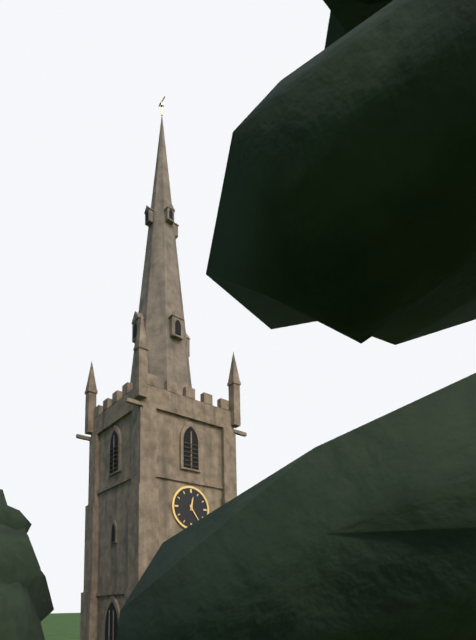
12,24
